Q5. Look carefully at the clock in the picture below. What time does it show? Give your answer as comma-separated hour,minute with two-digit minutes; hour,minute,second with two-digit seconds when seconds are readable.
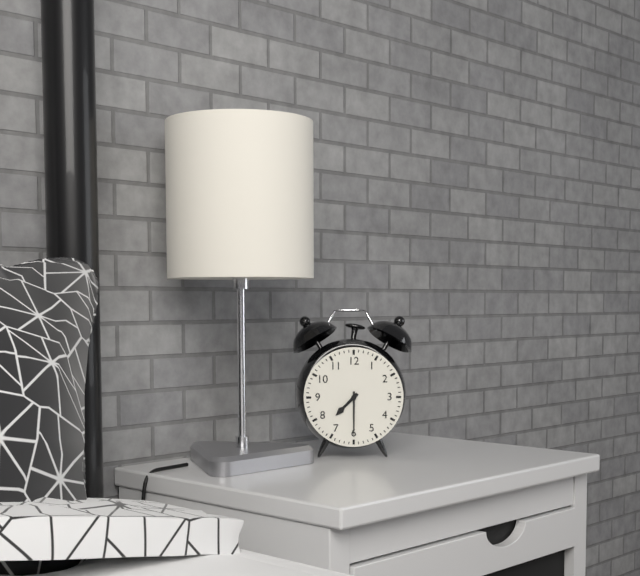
7,30
